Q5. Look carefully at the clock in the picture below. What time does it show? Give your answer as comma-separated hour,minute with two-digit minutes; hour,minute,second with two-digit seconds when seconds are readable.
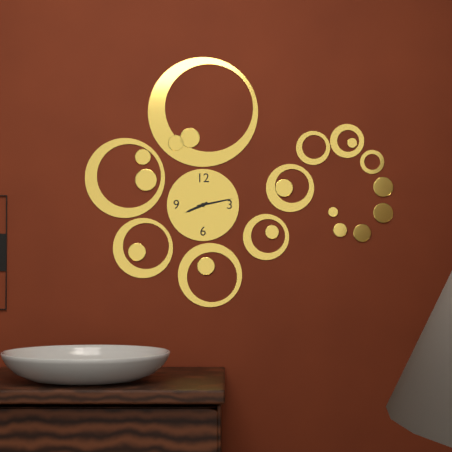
8,13
